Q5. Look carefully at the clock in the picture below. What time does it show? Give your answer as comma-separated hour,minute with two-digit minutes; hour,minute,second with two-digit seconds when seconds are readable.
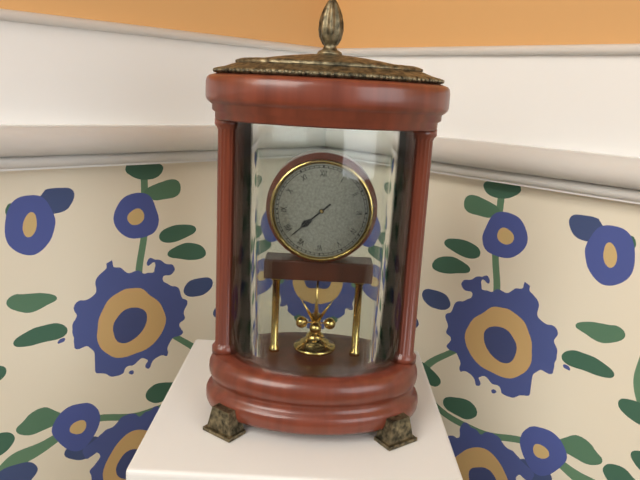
7,38
